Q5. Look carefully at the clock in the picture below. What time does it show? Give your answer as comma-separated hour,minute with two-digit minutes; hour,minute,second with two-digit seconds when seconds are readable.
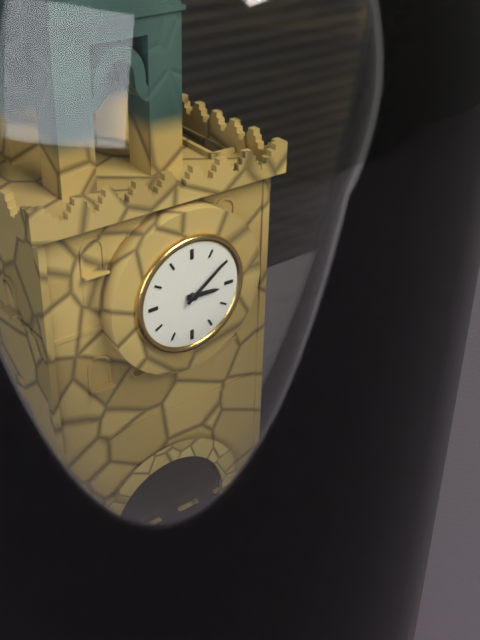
3,09
